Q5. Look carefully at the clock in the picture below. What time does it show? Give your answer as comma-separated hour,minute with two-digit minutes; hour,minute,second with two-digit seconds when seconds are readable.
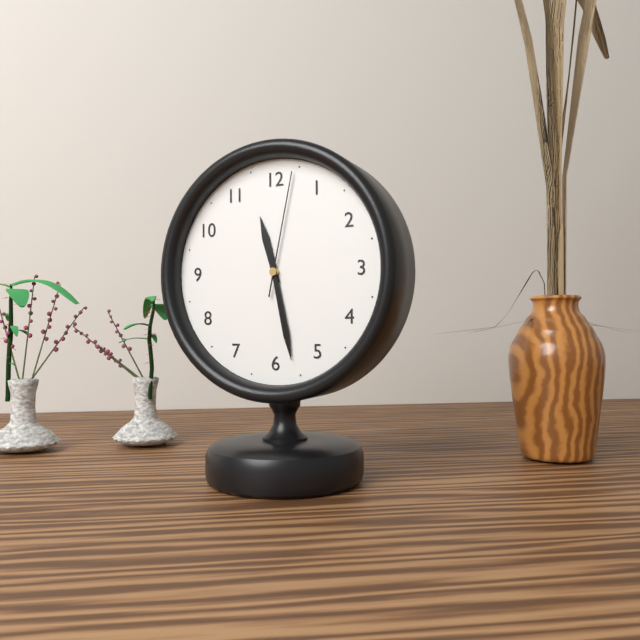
11,28,02
